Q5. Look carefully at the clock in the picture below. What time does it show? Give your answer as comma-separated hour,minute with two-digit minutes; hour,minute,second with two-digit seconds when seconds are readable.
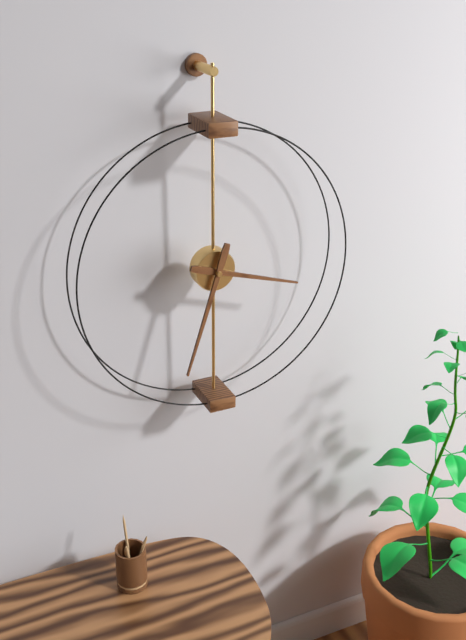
3,33
